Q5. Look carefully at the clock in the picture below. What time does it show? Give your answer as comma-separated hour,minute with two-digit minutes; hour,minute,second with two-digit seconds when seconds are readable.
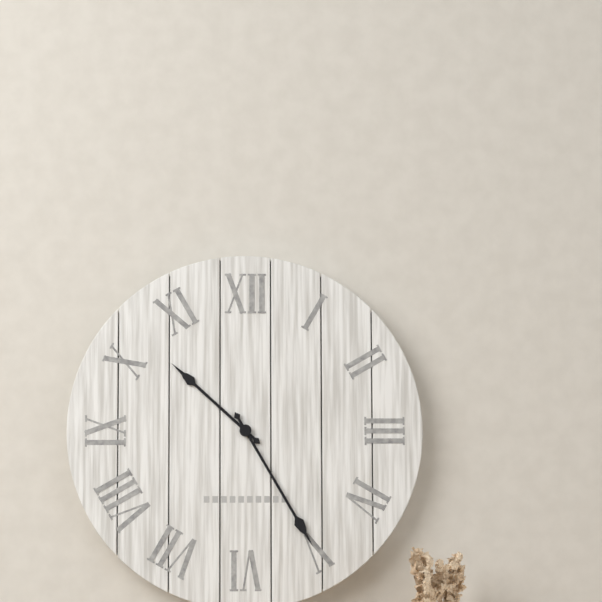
10,25
